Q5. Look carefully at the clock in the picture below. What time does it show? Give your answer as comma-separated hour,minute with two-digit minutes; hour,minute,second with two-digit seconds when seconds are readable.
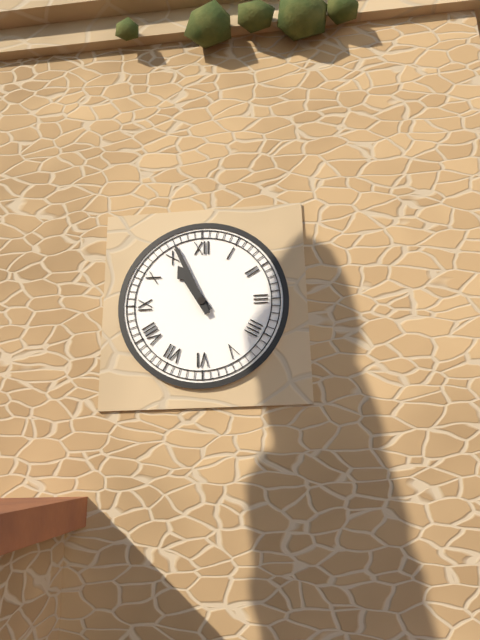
10,56
